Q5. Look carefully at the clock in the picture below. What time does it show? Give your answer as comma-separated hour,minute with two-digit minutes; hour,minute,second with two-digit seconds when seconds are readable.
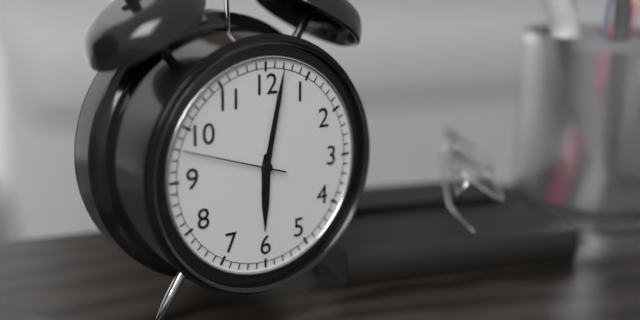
6,02,48
